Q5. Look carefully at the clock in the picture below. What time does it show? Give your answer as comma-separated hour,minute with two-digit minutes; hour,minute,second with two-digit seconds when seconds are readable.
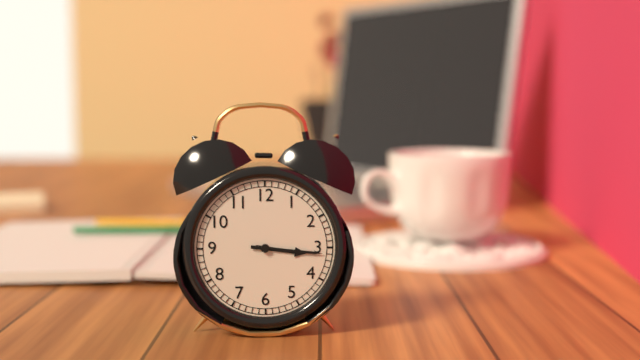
3,16
